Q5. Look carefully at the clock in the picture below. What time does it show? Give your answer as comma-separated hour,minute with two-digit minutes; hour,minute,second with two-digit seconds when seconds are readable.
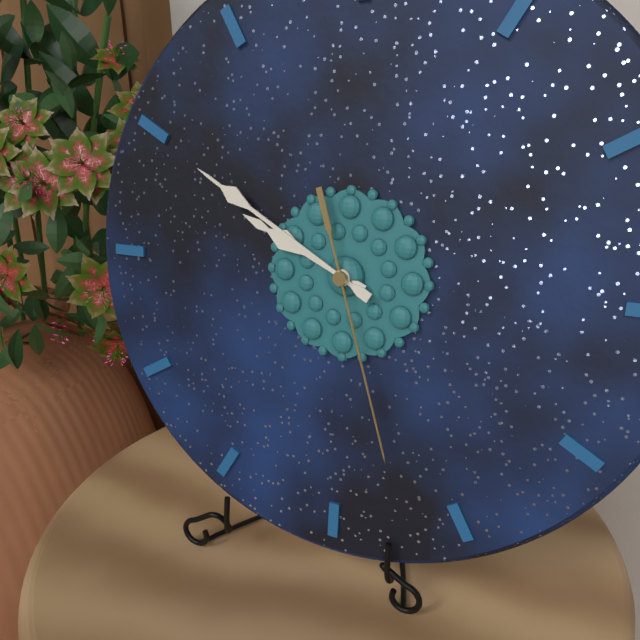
9,50,27
